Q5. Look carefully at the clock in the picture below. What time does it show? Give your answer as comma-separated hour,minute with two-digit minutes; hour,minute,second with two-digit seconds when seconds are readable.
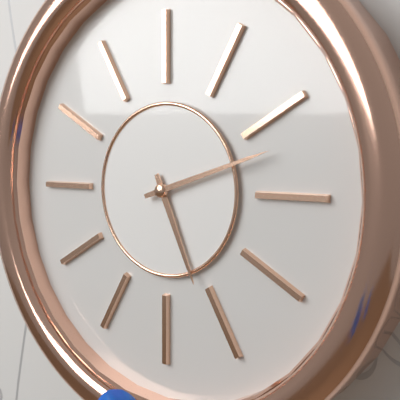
5,12
